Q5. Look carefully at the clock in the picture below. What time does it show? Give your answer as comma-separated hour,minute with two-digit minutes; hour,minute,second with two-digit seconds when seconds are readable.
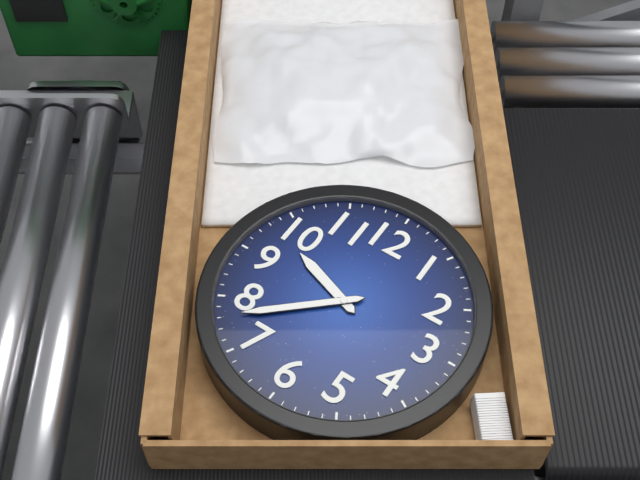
9,38
